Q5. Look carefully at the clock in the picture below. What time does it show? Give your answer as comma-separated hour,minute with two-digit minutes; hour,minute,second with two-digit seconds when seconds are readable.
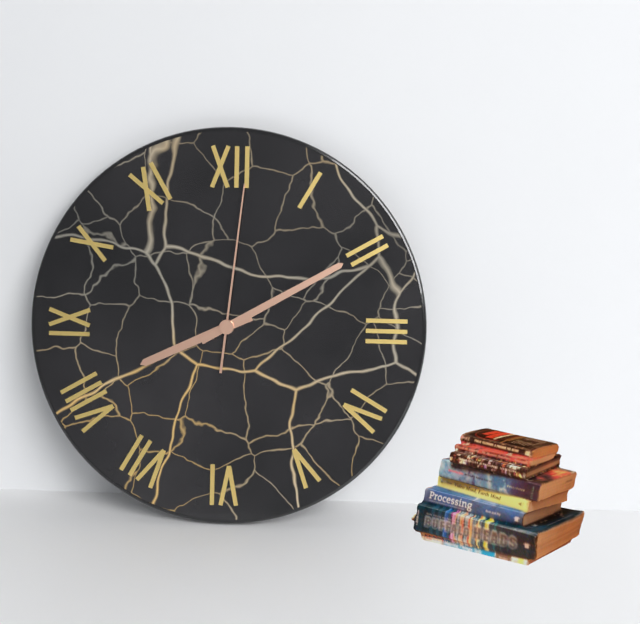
8,10,01
